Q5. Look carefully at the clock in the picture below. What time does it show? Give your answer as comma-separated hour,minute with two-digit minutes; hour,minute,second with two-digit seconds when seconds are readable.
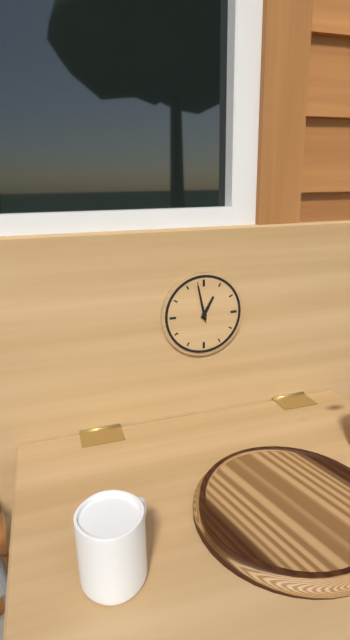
12,58
